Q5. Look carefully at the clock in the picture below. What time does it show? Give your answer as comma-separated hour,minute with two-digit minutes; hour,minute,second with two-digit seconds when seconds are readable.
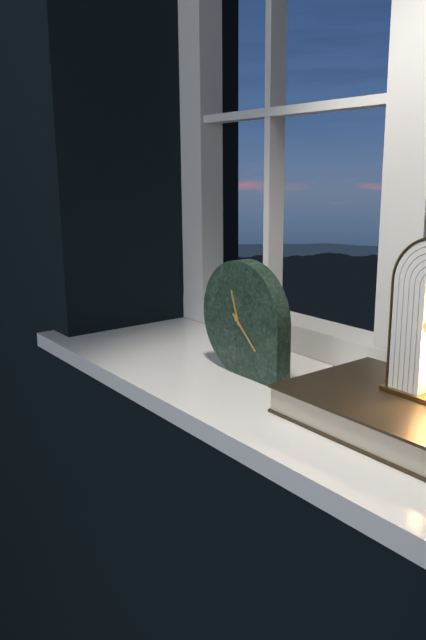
11,22
